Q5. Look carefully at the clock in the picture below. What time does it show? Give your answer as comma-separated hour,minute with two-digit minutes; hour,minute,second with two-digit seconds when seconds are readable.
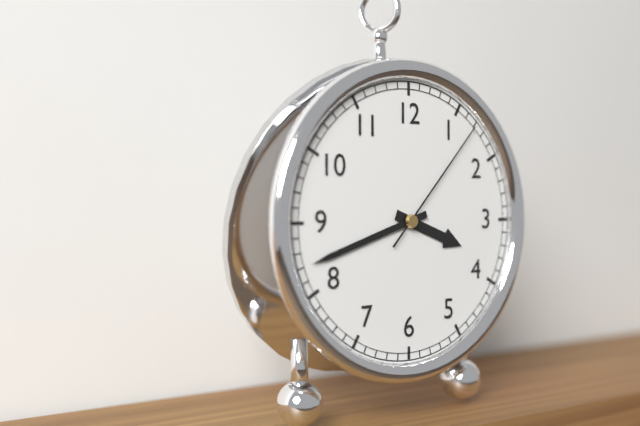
3,42,07
